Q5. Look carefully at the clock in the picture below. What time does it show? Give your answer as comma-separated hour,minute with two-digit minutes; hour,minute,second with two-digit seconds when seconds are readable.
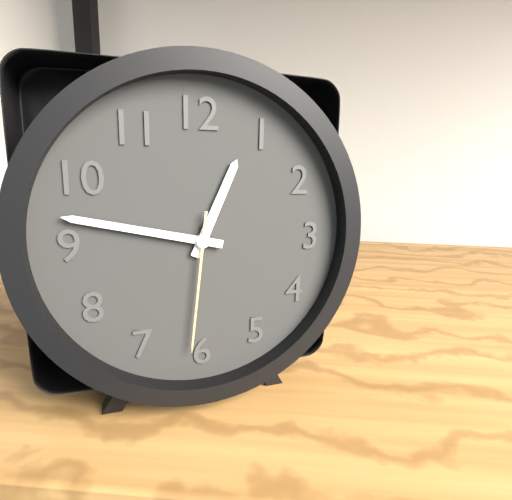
12,47,31
